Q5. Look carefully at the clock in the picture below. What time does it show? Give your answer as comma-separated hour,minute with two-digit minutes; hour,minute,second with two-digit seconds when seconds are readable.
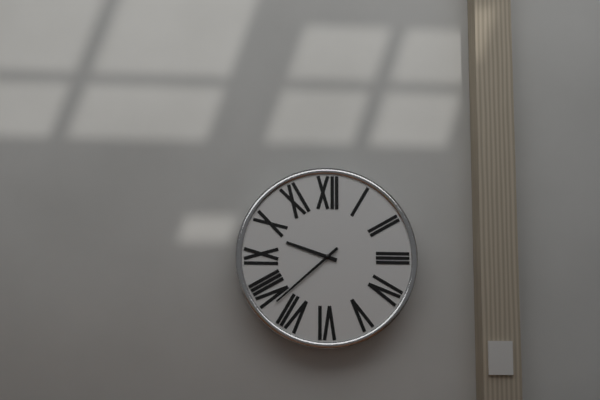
9,38
